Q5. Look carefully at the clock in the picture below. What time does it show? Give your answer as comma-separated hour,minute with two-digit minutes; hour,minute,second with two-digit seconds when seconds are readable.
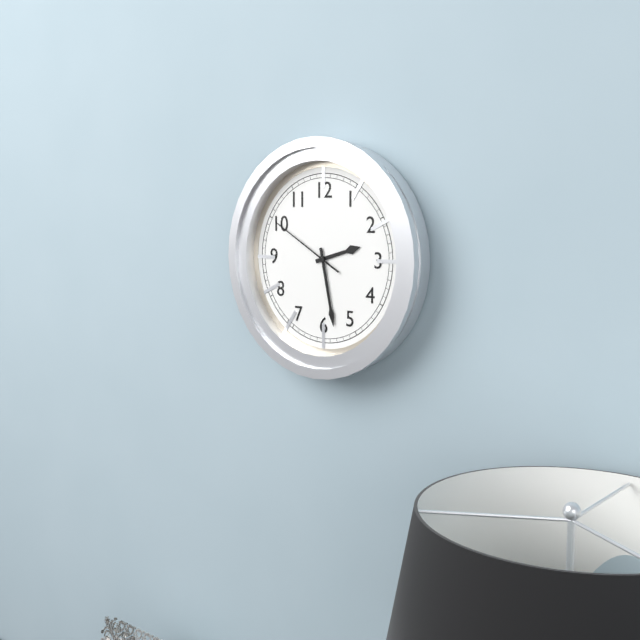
2,28,50
